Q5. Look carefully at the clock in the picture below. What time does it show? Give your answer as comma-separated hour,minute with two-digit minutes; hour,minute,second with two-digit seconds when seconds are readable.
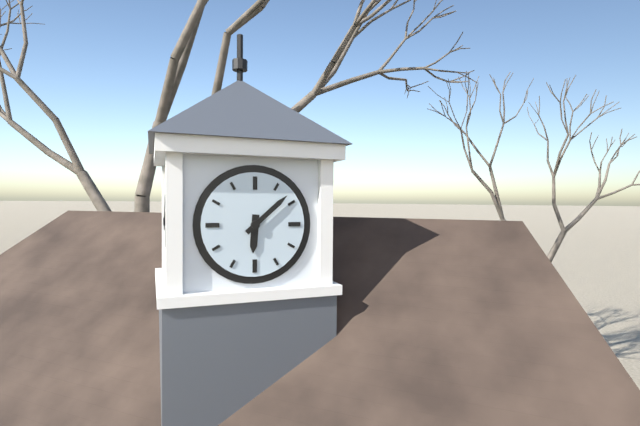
6,08
